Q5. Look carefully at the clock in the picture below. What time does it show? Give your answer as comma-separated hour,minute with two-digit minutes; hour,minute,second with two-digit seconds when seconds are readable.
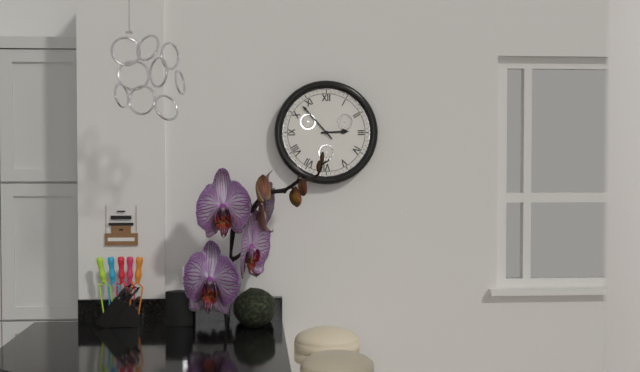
2,53
